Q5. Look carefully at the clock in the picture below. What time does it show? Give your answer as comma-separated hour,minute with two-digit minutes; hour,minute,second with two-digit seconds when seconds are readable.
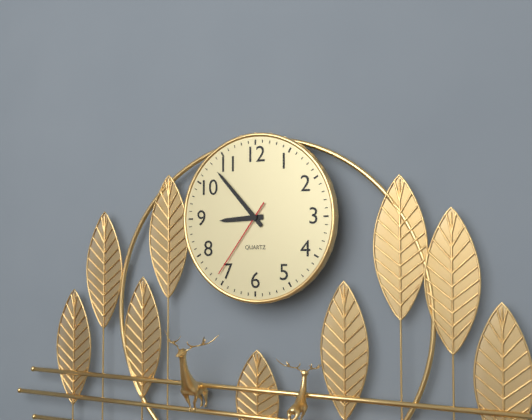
8,53,36
